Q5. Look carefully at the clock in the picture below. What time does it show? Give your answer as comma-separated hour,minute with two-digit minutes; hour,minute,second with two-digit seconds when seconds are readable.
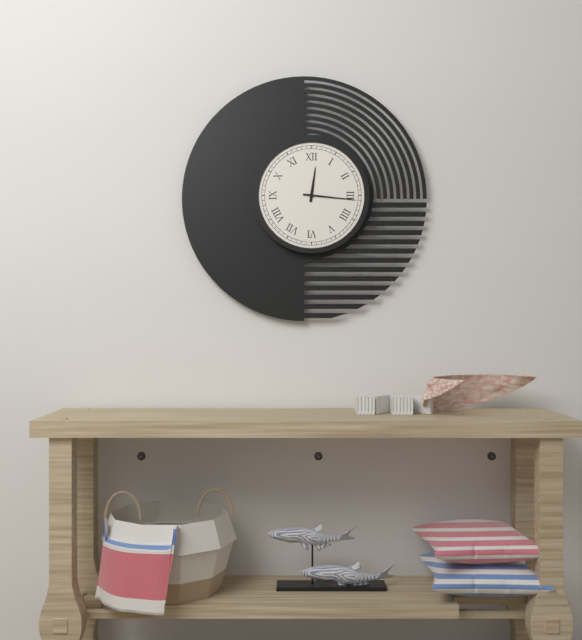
12,16
